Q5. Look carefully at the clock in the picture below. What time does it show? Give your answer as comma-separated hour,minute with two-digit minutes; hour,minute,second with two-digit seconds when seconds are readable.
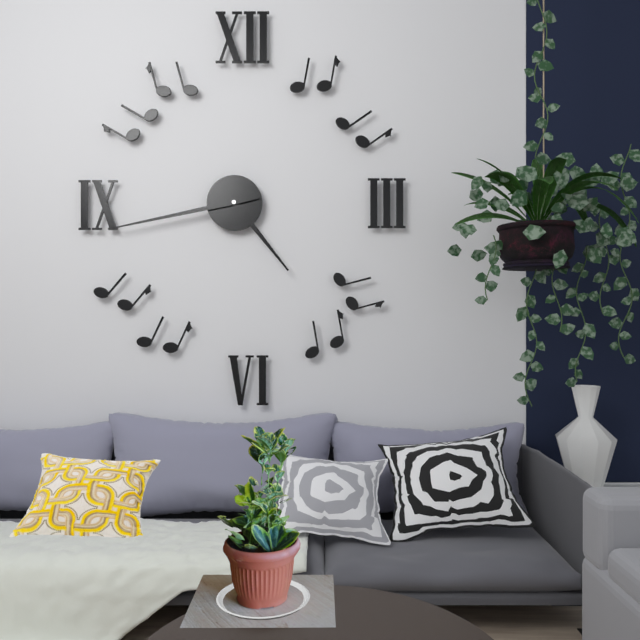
4,43
